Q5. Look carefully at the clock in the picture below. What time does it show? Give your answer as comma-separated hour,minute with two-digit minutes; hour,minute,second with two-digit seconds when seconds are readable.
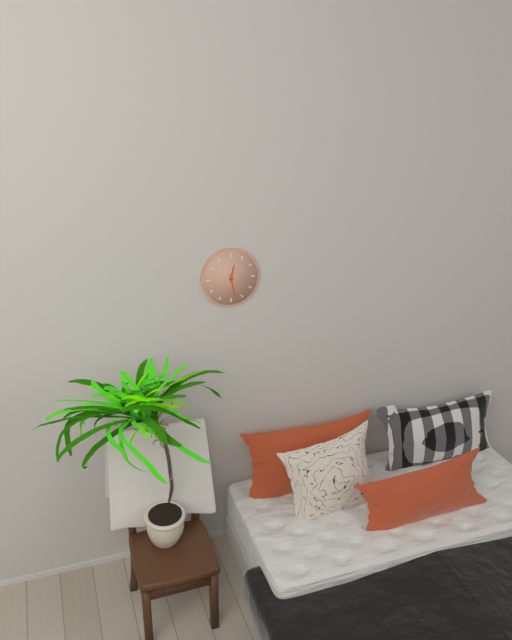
12,28
